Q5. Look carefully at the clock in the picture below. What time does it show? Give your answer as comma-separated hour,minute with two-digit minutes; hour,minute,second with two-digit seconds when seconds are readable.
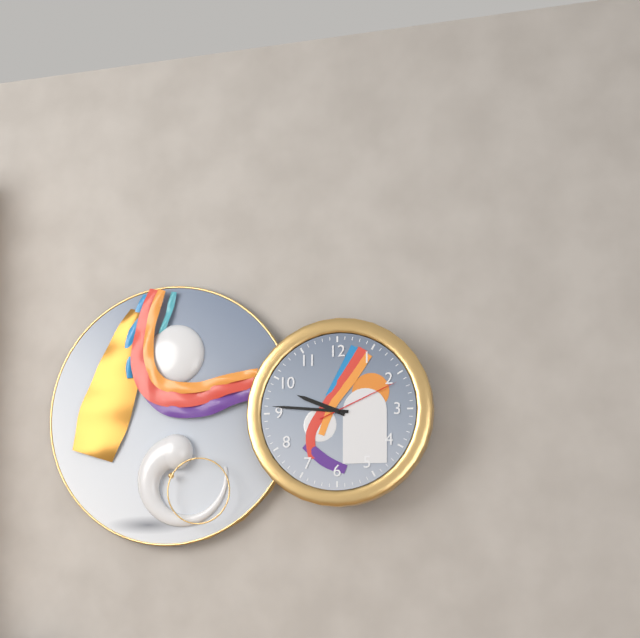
9,46,11
